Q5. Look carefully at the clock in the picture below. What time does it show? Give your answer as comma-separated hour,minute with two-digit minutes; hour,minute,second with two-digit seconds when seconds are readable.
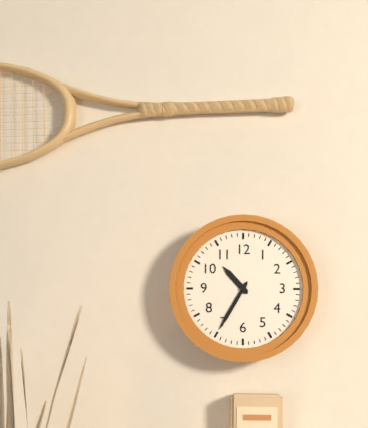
10,35
